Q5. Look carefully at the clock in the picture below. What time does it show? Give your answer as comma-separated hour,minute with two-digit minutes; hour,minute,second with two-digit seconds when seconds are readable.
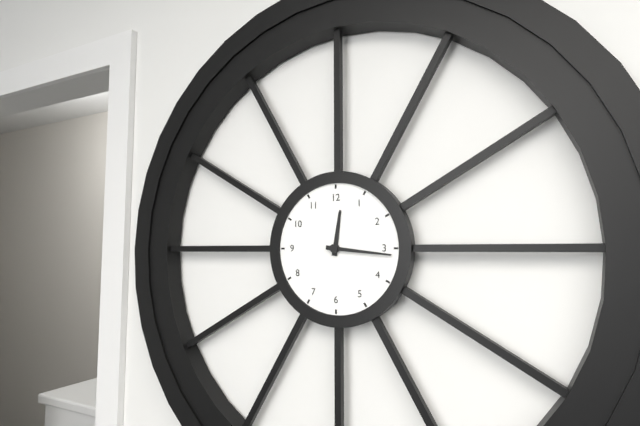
12,16
